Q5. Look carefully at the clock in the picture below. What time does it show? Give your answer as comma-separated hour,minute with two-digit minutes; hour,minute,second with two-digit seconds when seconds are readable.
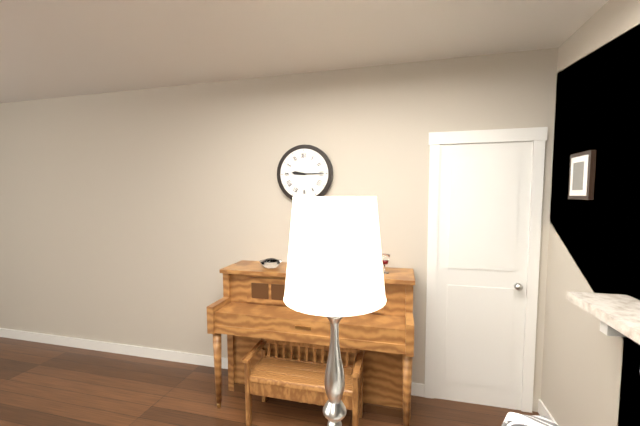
9,15
